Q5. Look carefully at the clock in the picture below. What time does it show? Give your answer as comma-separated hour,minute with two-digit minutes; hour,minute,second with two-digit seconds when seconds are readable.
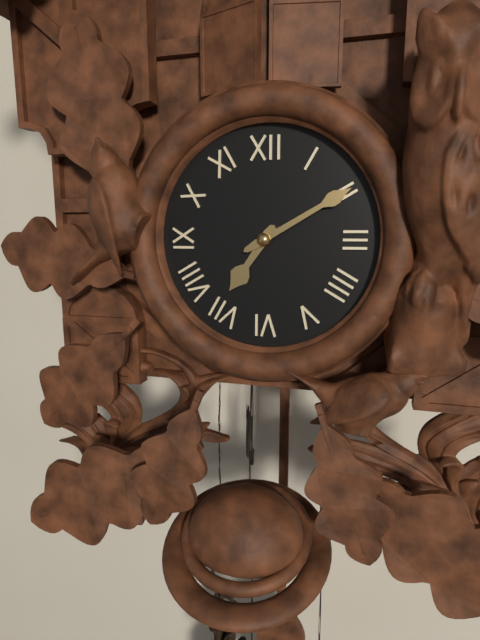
7,10
